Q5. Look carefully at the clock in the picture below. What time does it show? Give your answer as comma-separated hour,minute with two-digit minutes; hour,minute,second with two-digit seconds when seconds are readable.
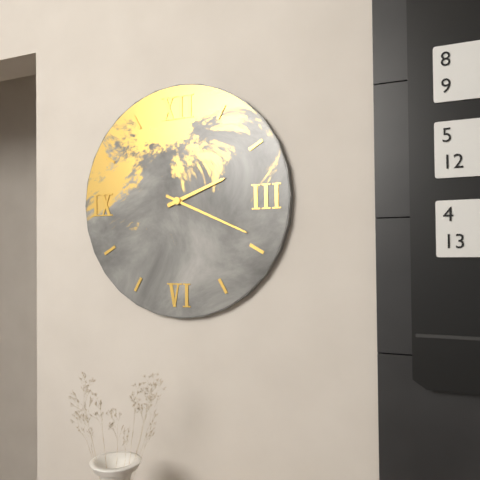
2,19
